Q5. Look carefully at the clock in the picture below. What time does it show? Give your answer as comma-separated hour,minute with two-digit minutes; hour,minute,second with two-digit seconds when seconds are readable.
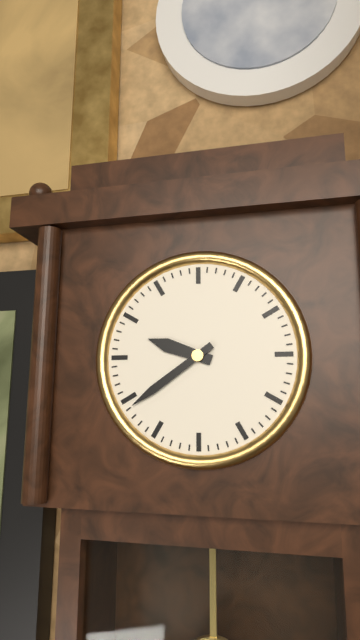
9,39
